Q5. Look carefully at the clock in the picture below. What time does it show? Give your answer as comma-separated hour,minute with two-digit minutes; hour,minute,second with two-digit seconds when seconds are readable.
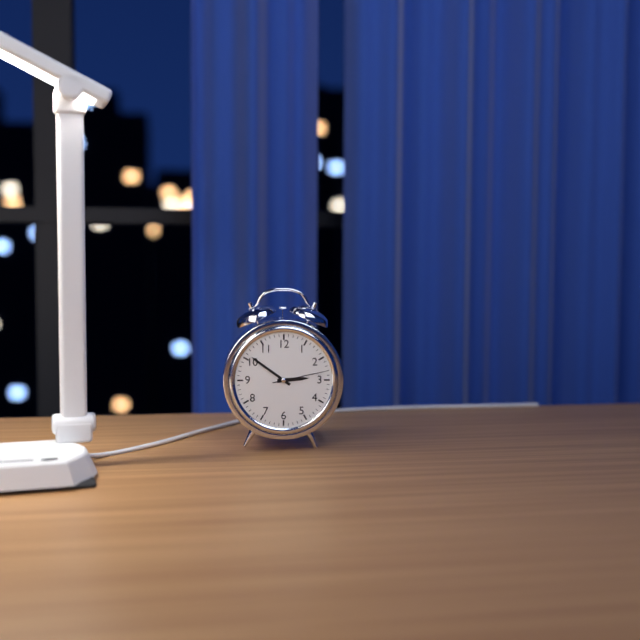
2,51,13
